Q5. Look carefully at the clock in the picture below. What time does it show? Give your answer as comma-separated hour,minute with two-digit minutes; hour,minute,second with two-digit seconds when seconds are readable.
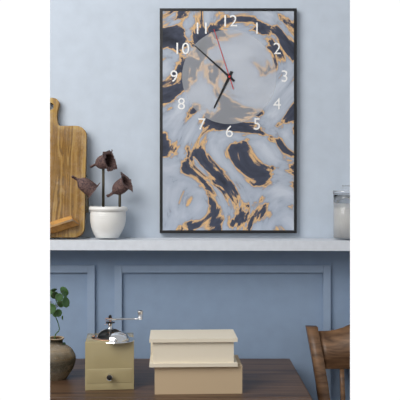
6,52,57
